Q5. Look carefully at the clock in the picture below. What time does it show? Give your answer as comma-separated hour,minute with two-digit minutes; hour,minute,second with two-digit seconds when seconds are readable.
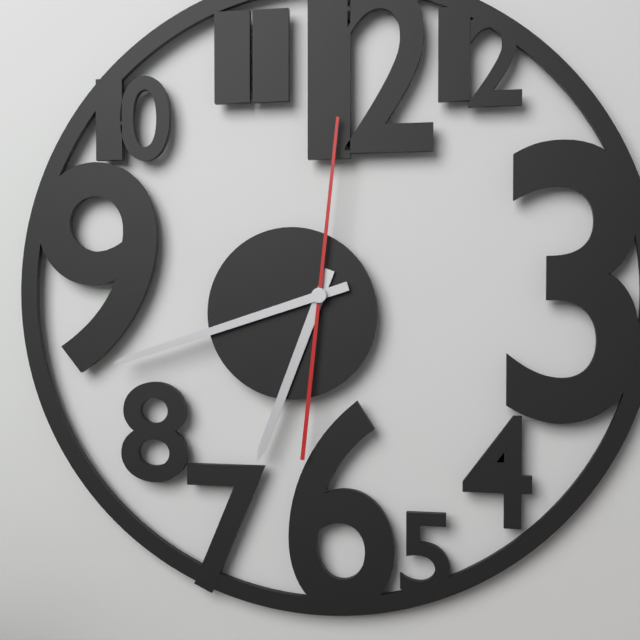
6,42,01
